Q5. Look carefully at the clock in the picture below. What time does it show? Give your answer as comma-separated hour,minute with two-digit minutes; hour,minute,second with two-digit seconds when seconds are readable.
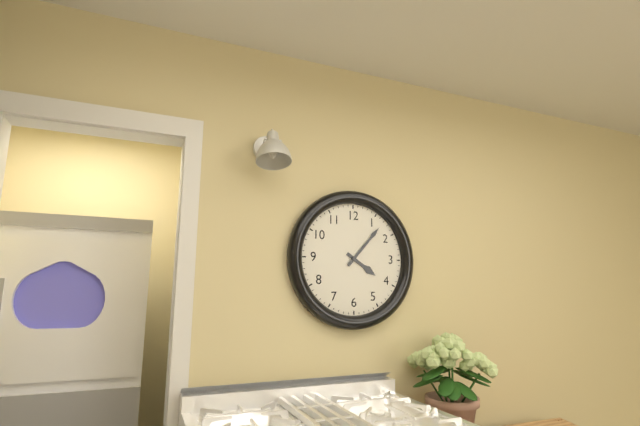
4,07
